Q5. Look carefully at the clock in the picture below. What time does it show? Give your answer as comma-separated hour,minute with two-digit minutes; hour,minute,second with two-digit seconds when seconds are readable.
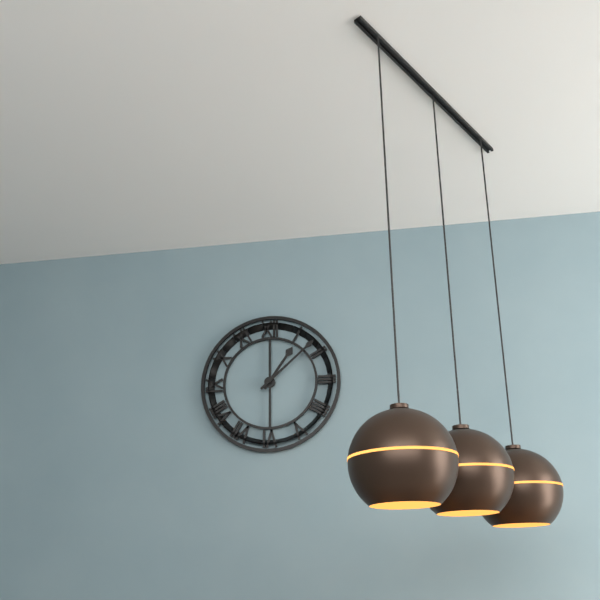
1,08
